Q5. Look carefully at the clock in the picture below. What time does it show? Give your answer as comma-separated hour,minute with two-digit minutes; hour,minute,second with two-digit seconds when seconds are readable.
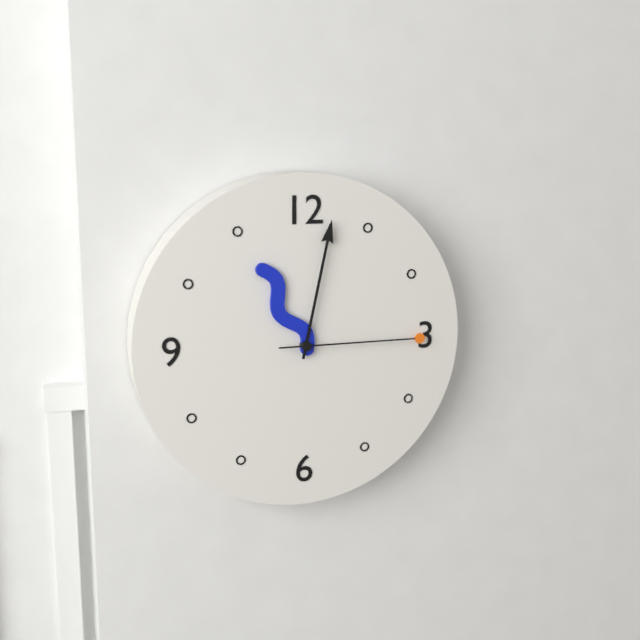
11,02,15
